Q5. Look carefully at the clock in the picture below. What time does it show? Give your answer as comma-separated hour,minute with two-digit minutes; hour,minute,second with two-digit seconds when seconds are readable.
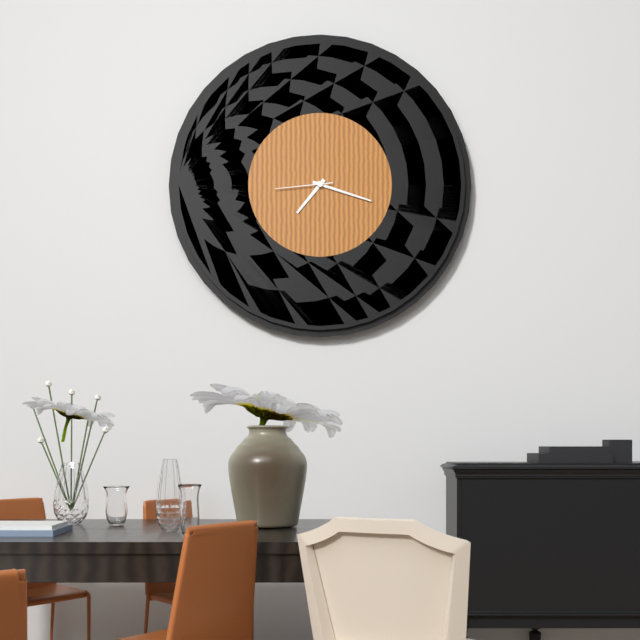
7,18,44
